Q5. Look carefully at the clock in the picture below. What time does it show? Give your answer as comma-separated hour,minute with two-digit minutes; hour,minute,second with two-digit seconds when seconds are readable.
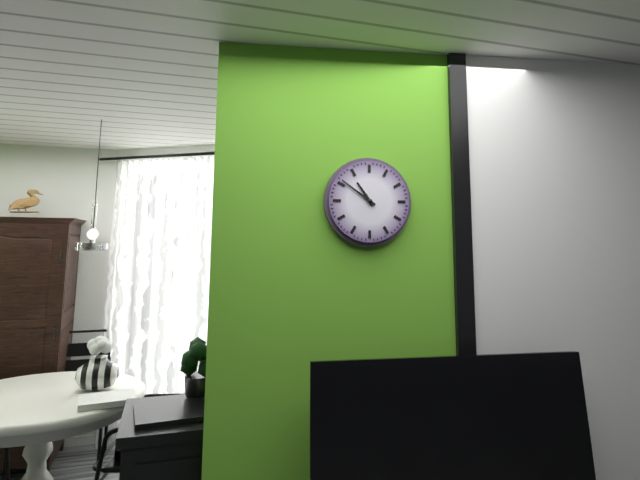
10,51
